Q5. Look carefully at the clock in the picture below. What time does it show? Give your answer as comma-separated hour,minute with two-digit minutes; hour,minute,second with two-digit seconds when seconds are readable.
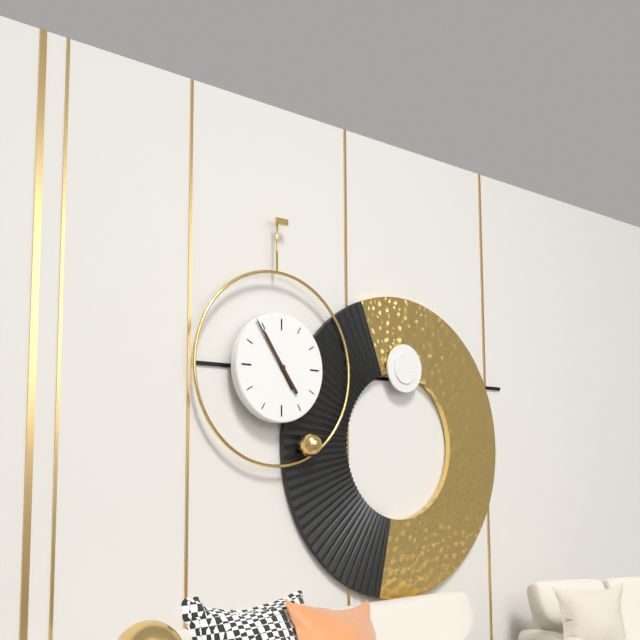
10,54
